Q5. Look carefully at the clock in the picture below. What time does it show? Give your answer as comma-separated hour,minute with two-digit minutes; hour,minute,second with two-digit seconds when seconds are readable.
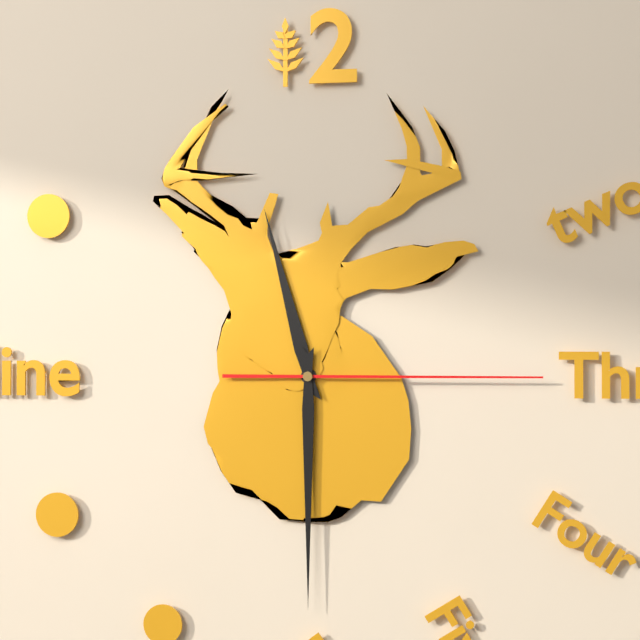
11,30,15
